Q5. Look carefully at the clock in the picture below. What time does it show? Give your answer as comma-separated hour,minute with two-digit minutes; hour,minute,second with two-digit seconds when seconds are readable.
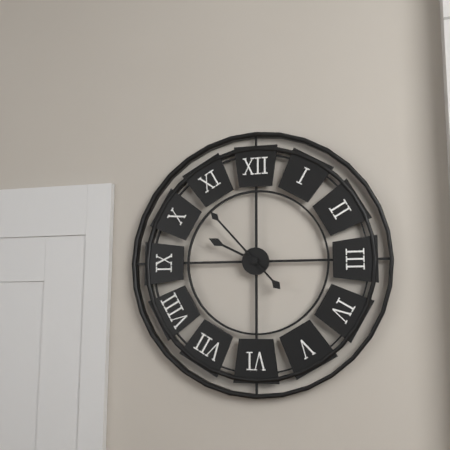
9,53
